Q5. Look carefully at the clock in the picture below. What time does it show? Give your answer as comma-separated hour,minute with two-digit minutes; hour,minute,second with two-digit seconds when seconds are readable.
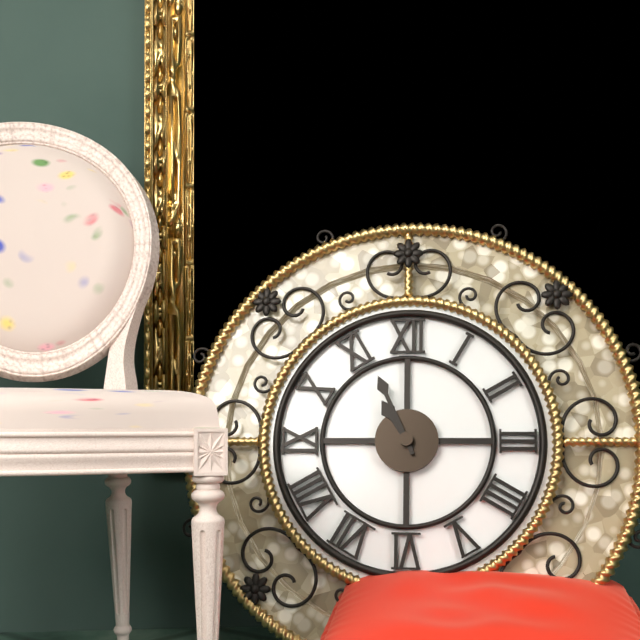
10,56
